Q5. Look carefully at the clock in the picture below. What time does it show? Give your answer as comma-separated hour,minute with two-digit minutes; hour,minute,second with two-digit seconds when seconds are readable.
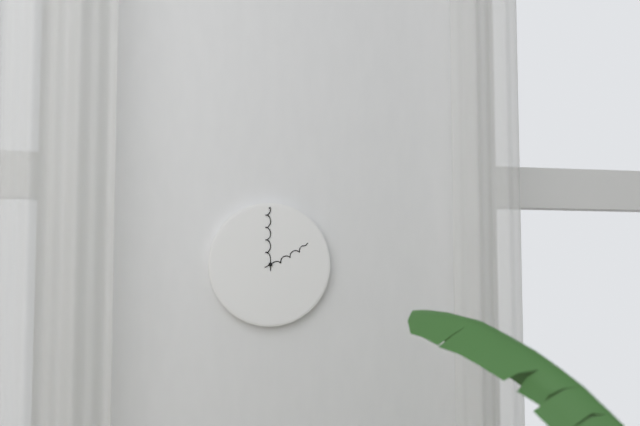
2,00
